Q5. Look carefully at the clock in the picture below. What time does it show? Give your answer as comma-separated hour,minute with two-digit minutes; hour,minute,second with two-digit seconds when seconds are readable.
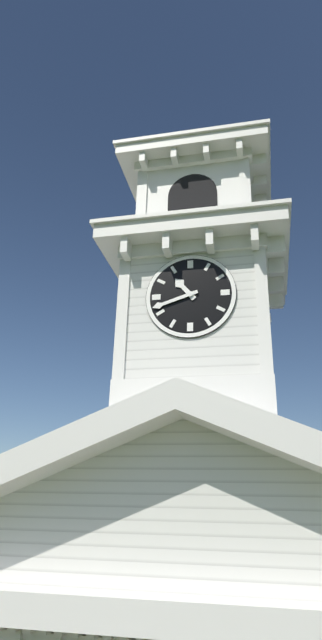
10,42
